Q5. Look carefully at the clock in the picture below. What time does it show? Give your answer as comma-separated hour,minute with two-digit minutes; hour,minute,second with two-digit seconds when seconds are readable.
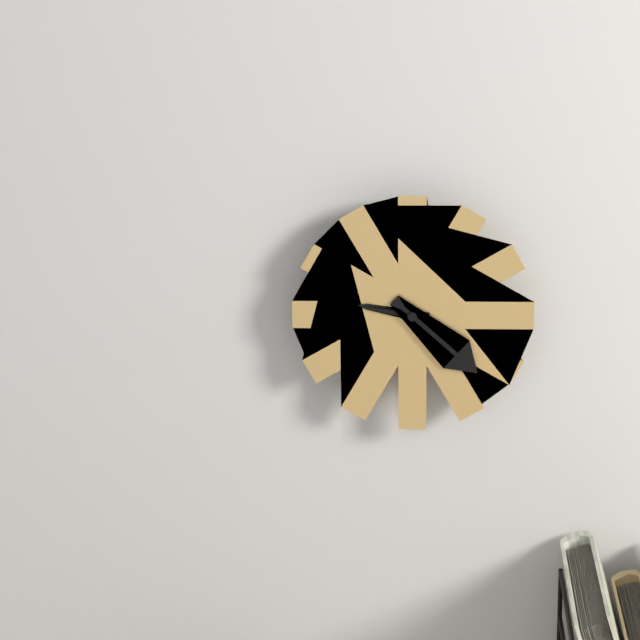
9,22
